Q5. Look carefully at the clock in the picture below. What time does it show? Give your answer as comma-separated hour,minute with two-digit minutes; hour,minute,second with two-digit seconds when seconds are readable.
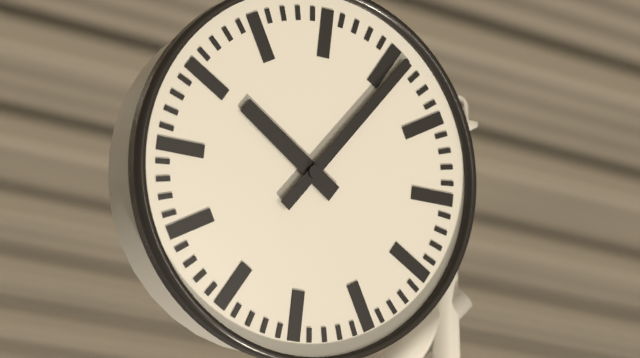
10,06
